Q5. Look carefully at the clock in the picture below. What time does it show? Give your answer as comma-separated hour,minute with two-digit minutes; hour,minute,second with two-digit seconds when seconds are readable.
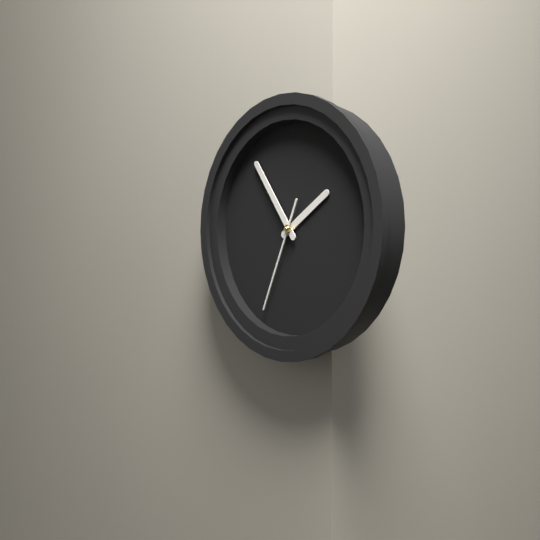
1,54,34
